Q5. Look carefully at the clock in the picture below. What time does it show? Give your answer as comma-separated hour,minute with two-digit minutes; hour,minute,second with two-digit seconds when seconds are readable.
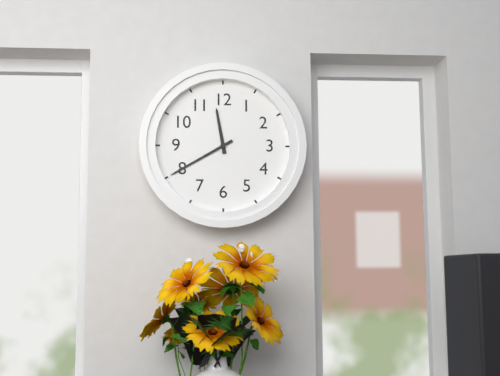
11,40
